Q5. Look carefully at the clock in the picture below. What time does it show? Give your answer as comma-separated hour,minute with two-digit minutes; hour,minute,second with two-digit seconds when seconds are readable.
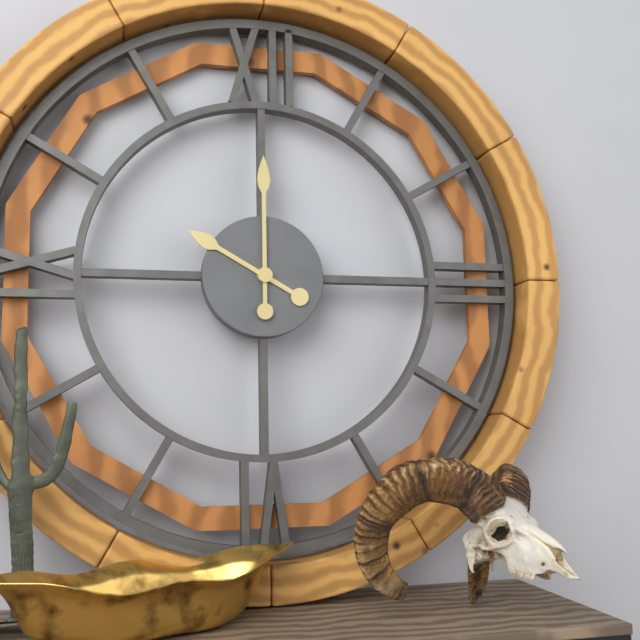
10,00
